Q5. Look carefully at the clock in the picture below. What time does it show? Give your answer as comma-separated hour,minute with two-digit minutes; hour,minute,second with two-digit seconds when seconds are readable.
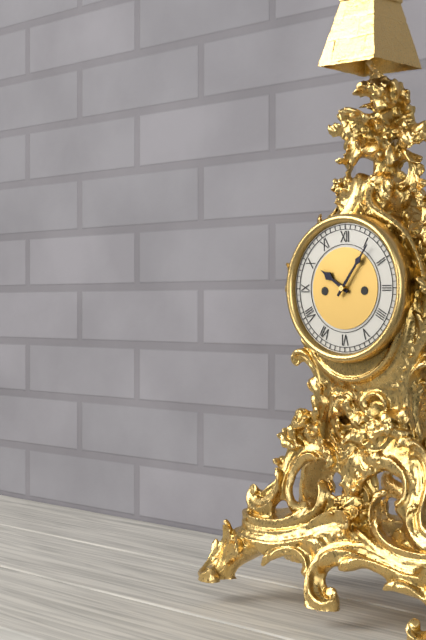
10,06
